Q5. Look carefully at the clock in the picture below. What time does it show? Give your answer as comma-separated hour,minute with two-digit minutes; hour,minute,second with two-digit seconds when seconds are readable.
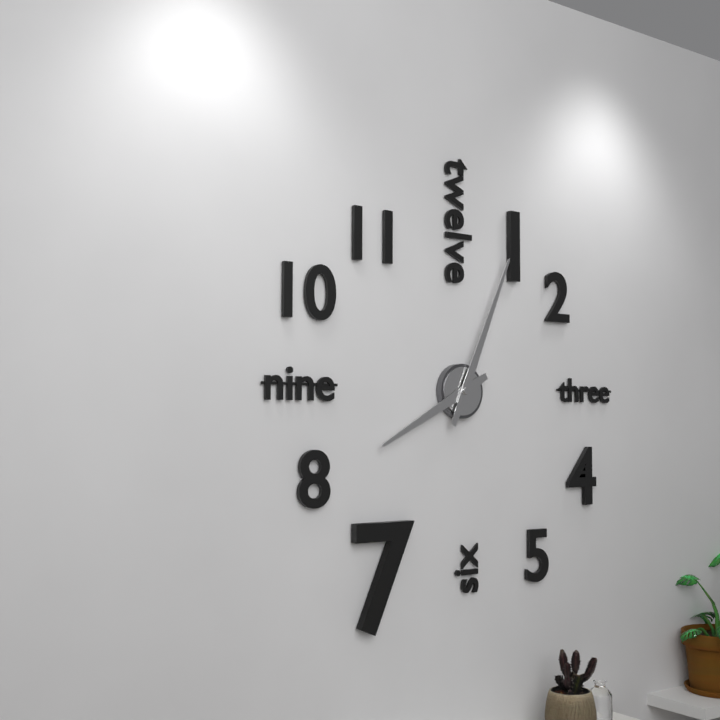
8,04
